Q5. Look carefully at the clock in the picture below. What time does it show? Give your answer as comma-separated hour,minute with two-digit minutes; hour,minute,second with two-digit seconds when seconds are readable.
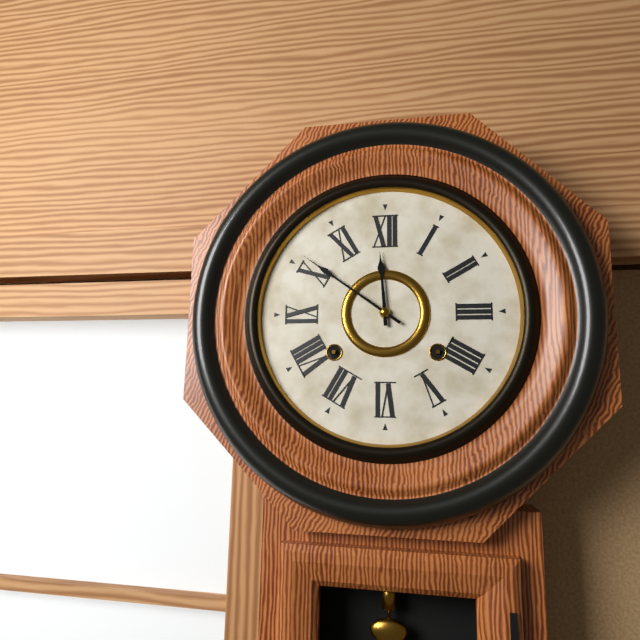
11,51
